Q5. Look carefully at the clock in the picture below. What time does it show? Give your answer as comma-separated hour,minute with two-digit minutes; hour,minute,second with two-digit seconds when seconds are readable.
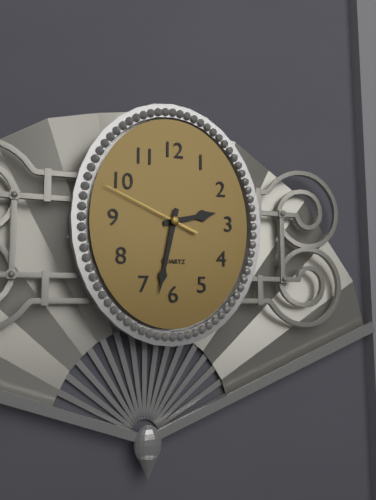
2,32,49
